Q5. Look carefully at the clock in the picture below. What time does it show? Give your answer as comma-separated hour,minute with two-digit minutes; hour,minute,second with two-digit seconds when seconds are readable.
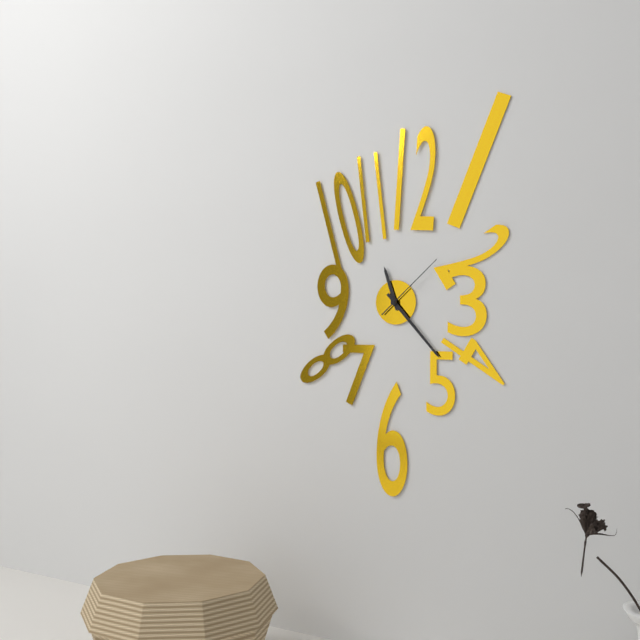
11,23,08
